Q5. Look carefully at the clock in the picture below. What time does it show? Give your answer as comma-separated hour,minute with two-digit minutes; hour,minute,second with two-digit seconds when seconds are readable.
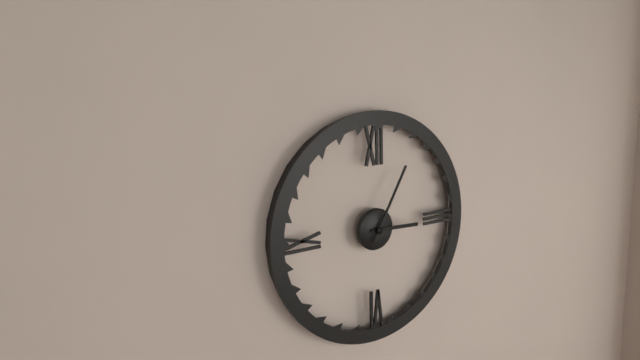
3,05
